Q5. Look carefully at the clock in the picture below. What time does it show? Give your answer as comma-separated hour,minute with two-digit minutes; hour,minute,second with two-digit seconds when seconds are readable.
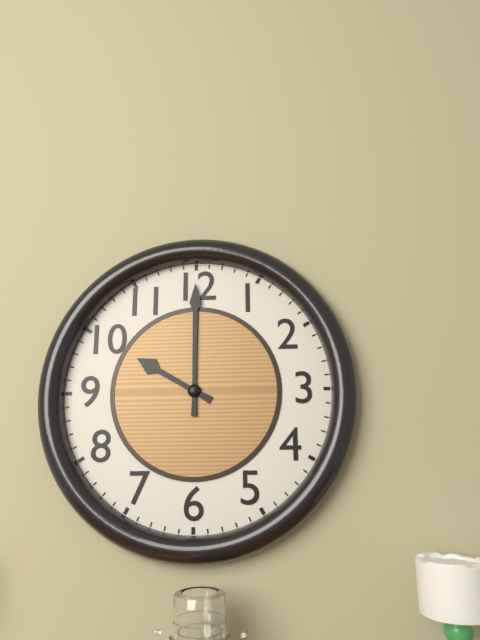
10,00
